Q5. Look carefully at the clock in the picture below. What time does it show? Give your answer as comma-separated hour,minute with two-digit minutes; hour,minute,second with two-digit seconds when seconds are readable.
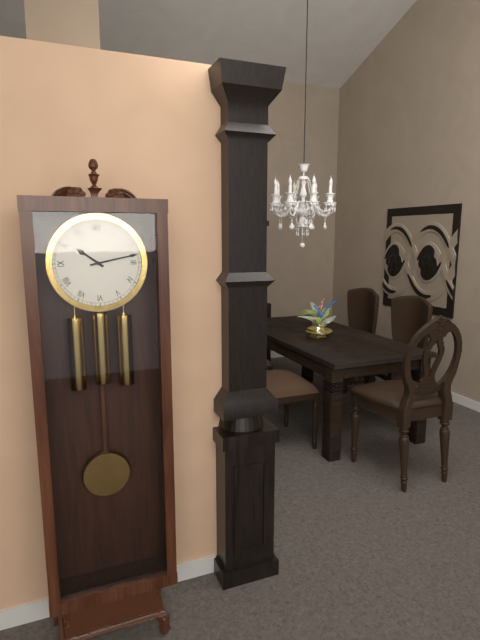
10,13
